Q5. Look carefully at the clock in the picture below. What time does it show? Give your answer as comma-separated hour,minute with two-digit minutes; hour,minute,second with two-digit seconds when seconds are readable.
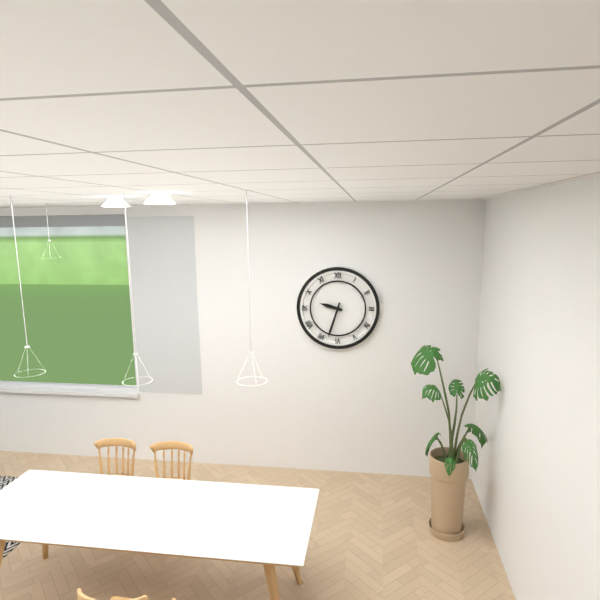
9,33
